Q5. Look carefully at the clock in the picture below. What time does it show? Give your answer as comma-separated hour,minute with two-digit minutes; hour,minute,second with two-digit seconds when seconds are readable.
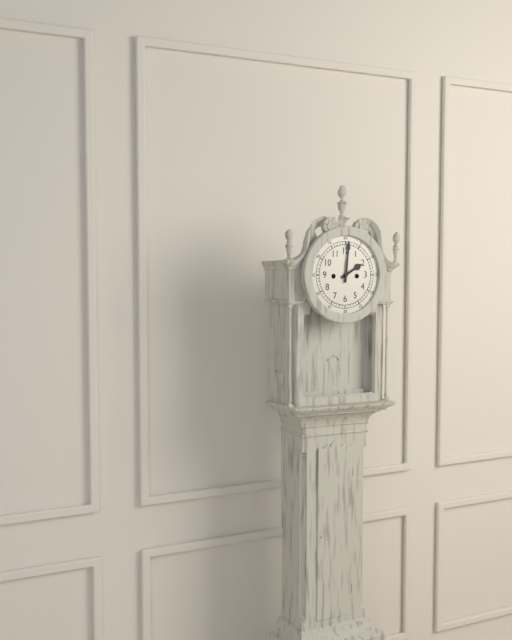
2,01
